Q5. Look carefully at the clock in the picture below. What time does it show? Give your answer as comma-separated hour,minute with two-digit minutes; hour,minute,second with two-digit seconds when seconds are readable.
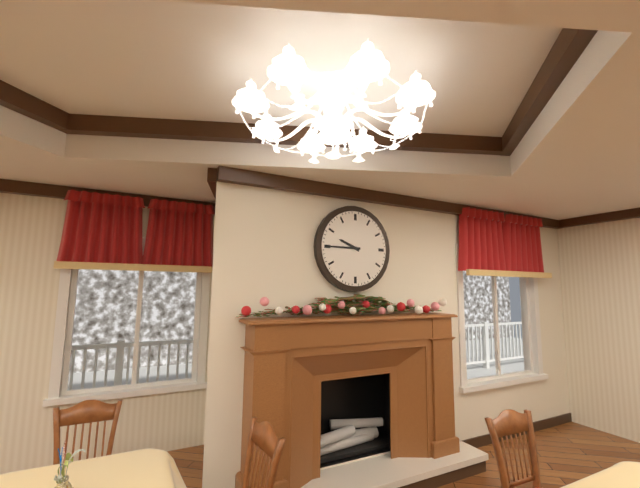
9,45
